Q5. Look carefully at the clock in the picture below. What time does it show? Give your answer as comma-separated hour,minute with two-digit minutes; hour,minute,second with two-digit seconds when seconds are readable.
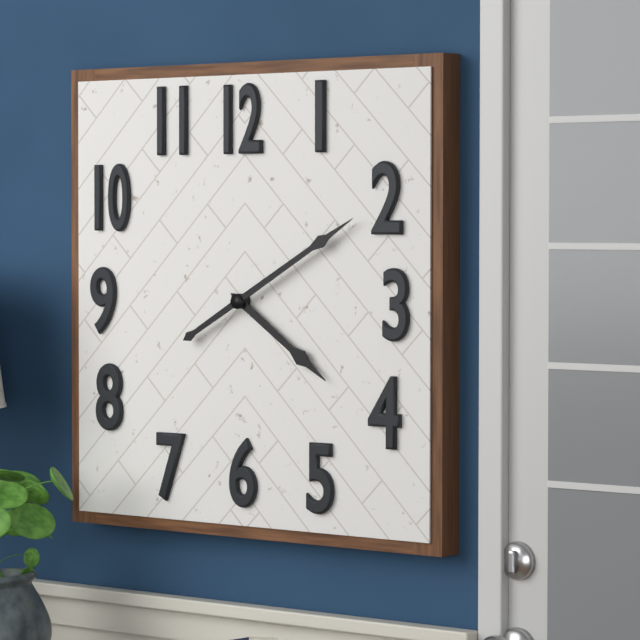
4,10
